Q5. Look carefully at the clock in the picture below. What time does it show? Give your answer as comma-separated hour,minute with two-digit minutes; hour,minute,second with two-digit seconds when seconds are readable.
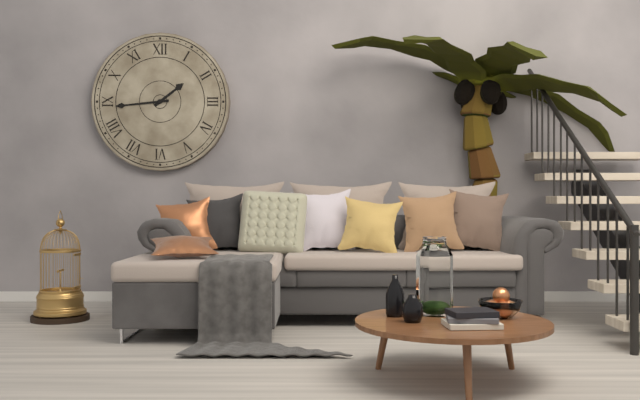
1,44
